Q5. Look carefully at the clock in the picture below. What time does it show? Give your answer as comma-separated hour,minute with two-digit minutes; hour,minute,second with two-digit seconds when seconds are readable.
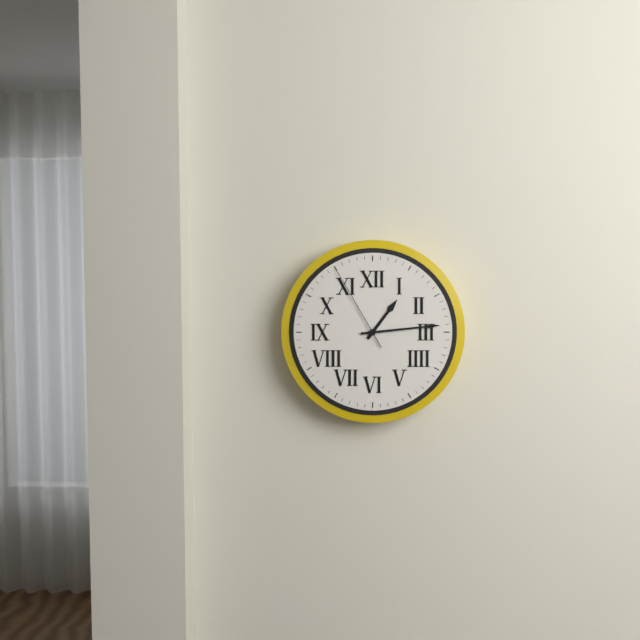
1,14,55
